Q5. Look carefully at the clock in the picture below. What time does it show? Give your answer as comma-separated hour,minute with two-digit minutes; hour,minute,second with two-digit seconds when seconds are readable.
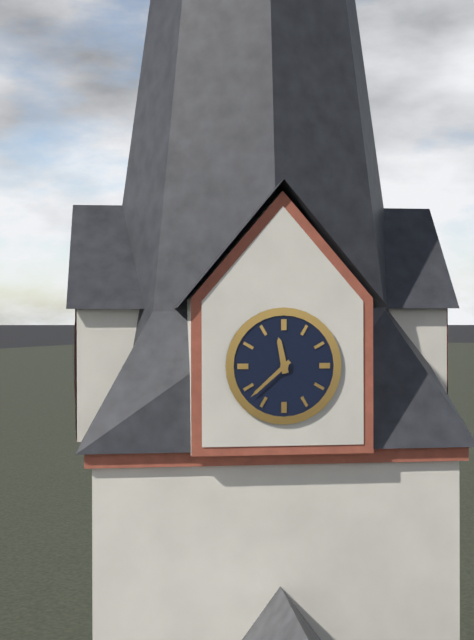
11,38
